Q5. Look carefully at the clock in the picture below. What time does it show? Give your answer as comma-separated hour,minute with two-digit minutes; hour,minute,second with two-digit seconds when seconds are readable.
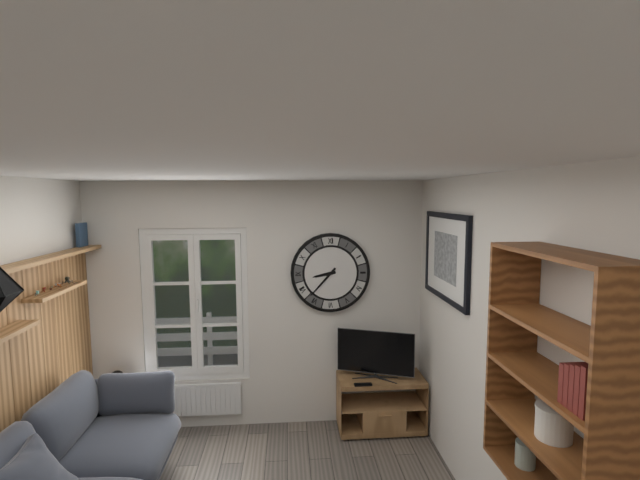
8,37
